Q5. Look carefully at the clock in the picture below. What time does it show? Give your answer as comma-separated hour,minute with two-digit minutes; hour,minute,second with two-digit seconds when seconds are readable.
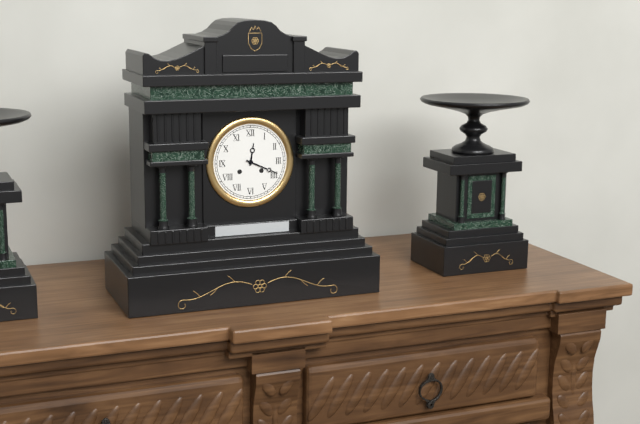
12,19
